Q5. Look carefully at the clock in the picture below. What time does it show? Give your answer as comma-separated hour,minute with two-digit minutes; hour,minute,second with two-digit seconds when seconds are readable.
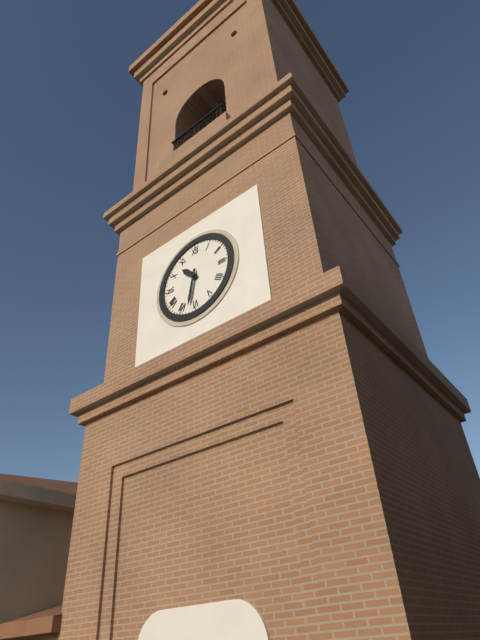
10,32
